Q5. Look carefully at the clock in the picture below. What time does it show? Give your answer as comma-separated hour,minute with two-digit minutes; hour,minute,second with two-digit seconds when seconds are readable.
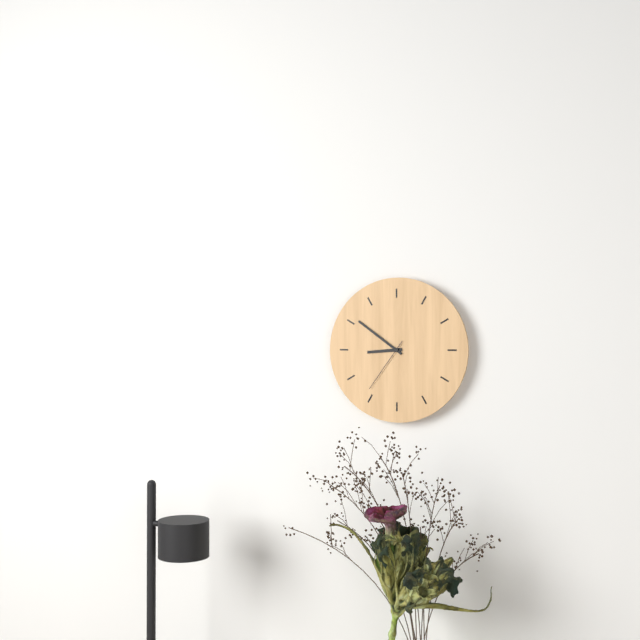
8,51,36
